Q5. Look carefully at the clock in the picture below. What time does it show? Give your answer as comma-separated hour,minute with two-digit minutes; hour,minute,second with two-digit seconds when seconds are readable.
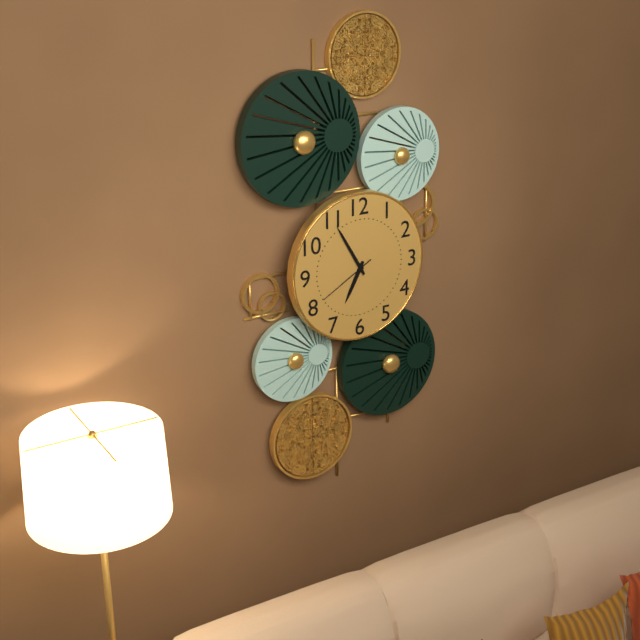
6,55,40
